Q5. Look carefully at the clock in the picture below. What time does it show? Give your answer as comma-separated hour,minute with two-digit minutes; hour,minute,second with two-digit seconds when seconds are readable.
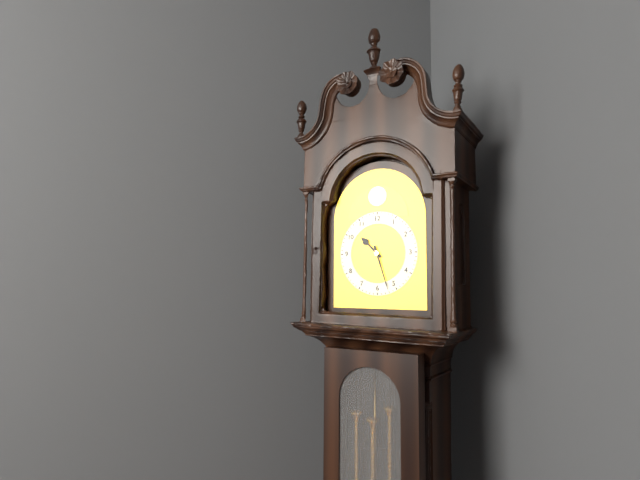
10,27
